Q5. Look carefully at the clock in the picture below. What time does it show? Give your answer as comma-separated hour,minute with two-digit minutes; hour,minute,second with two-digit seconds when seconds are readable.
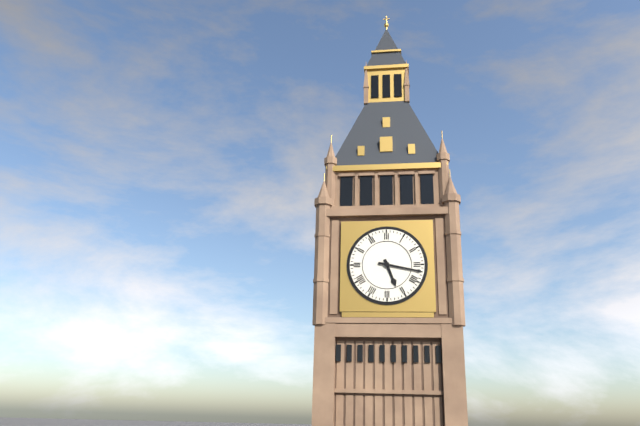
5,17
